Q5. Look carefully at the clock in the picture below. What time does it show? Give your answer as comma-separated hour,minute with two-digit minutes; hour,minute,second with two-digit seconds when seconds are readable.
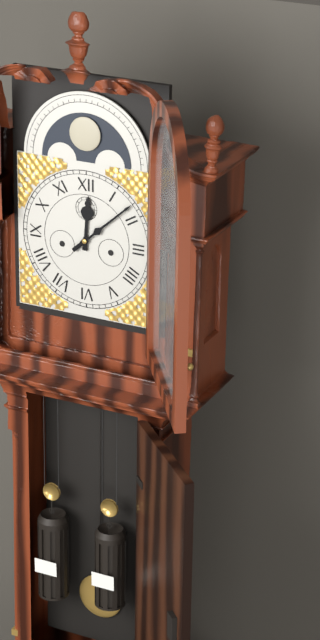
12,08
